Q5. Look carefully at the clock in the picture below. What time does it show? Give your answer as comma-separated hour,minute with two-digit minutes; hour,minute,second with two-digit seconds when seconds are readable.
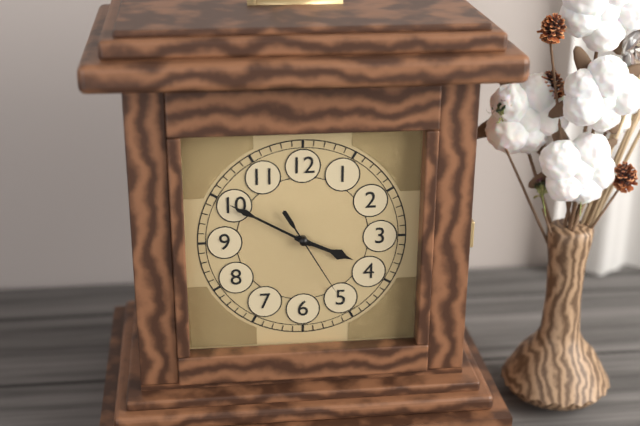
3,50,25
